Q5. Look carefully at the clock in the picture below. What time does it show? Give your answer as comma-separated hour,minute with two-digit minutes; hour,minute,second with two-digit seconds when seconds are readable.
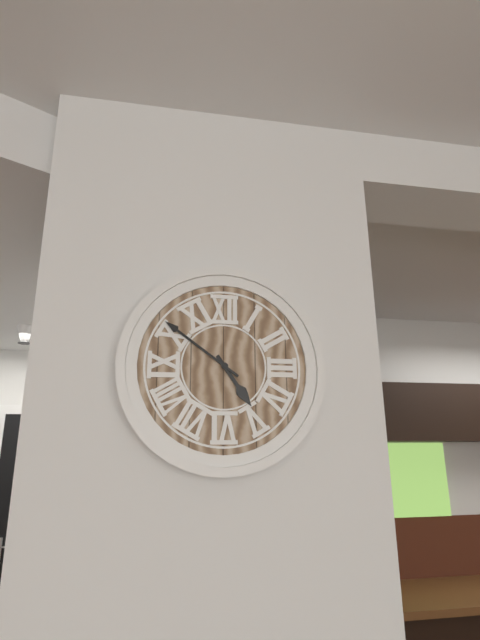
4,51
